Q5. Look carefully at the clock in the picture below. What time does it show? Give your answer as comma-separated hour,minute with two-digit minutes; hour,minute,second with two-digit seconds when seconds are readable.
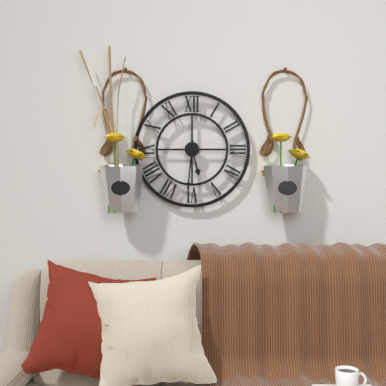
5,31
